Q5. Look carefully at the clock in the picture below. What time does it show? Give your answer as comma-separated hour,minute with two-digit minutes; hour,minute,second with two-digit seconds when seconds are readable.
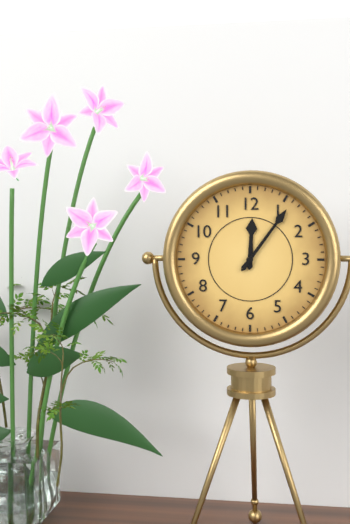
12,06
